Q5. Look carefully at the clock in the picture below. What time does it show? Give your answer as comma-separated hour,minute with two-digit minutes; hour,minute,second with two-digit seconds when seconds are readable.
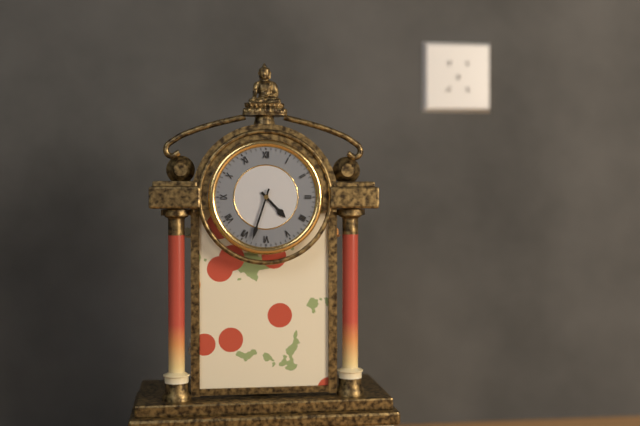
4,33
